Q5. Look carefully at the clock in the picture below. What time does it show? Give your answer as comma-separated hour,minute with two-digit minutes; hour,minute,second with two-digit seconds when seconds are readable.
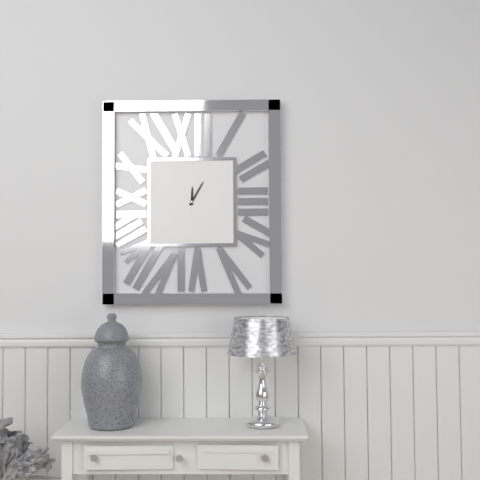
12,05
